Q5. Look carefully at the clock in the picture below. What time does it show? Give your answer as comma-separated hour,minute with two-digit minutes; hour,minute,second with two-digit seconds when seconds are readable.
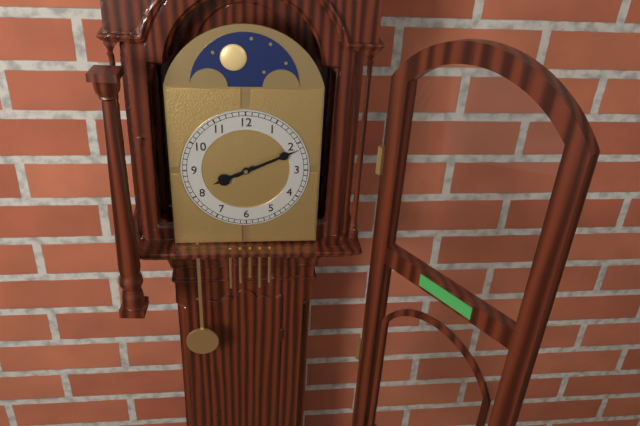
8,11
